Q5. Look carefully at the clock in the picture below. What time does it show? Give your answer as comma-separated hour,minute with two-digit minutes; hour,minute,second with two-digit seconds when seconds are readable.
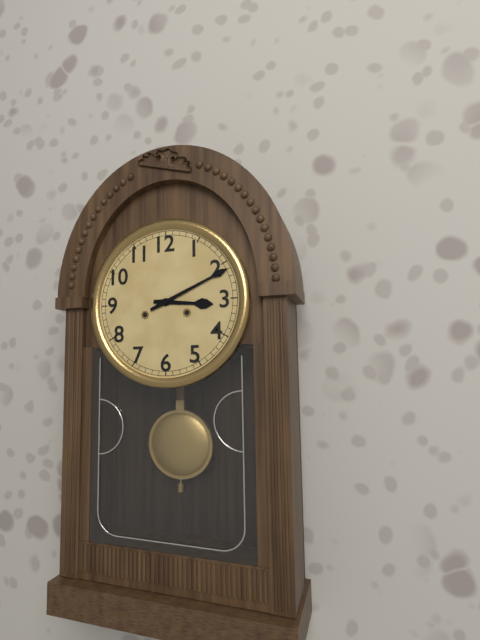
3,11
